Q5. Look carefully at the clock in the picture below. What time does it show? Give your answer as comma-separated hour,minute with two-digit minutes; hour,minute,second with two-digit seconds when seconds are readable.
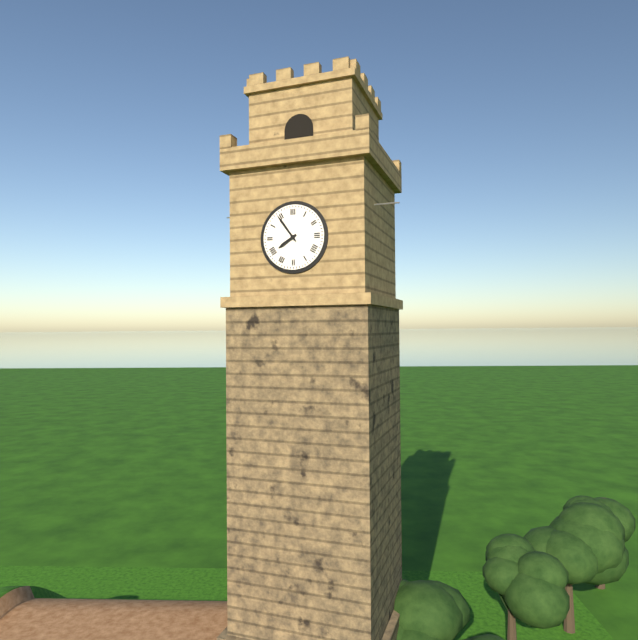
7,54
